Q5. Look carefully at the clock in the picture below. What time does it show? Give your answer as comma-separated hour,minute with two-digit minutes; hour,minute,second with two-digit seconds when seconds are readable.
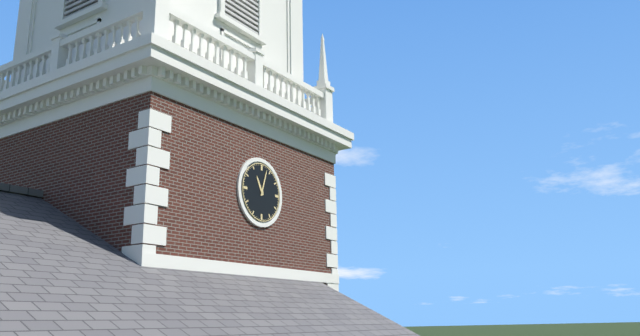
11,03
